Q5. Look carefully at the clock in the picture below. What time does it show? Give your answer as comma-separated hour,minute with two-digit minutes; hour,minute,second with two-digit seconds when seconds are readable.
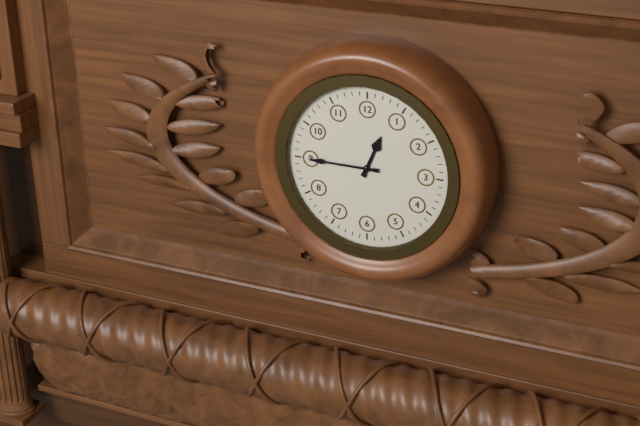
12,45
